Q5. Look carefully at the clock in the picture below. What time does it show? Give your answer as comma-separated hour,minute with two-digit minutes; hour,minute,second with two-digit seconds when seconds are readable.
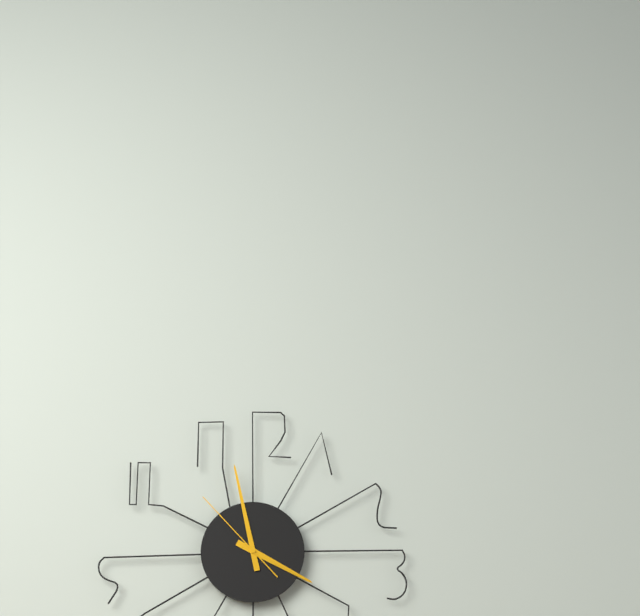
3,58,53
